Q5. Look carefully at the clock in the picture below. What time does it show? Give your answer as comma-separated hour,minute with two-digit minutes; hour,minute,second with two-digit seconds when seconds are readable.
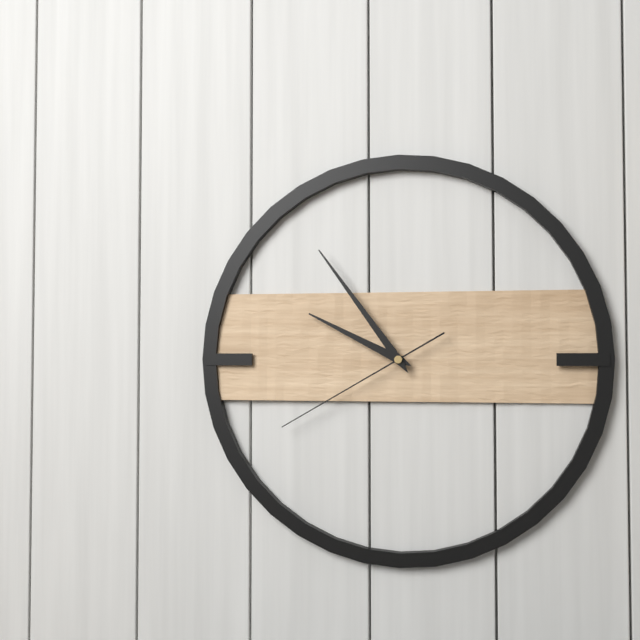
9,54,40
